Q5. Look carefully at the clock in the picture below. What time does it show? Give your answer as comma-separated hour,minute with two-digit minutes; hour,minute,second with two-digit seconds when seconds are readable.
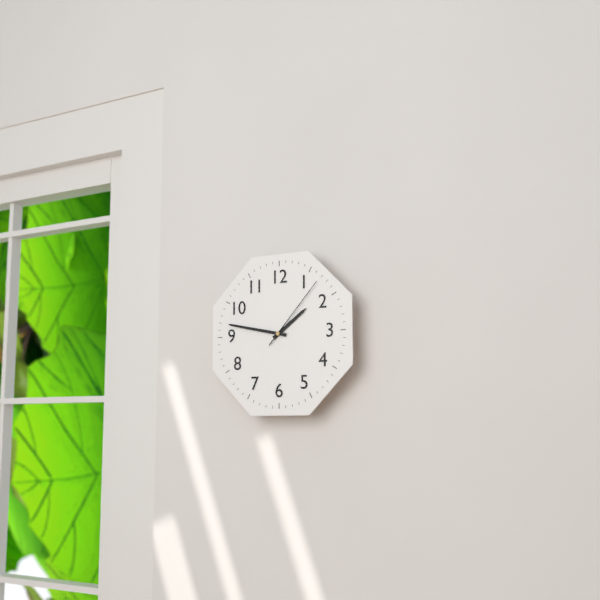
1,47,07
